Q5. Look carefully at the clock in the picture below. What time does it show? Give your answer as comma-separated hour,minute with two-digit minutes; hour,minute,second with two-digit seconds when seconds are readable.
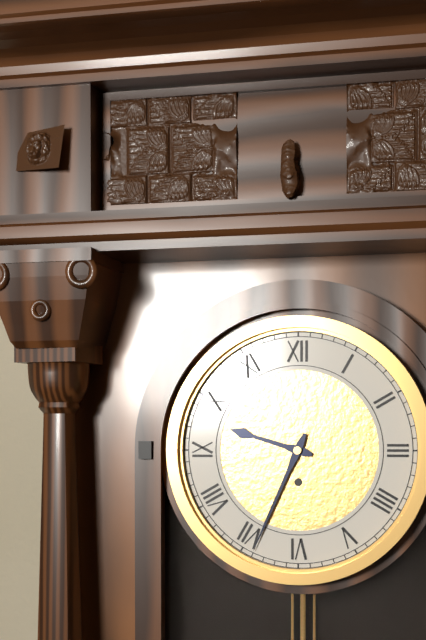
9,34
